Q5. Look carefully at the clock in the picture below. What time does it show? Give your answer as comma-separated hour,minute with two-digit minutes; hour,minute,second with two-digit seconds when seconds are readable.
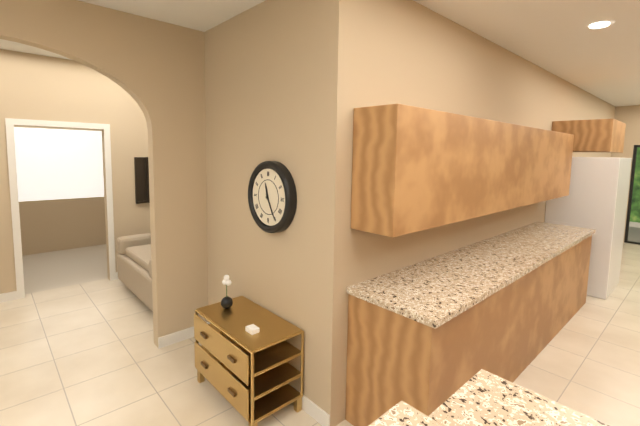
11,25
